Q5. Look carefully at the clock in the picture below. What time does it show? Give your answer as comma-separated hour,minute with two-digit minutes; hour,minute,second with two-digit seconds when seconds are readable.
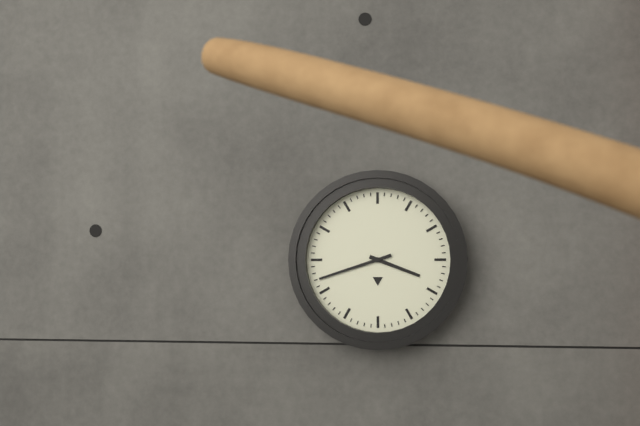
3,42
